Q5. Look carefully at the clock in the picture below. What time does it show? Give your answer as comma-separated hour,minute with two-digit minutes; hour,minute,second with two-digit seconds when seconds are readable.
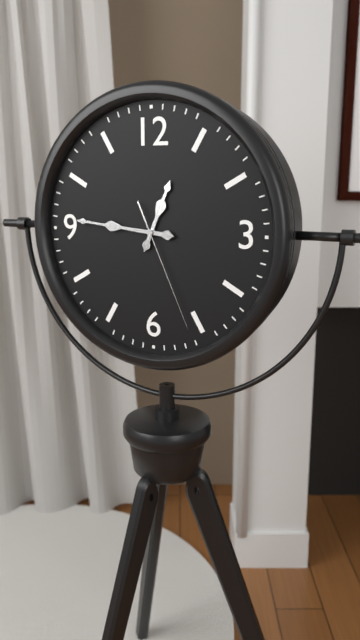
12,46,26
